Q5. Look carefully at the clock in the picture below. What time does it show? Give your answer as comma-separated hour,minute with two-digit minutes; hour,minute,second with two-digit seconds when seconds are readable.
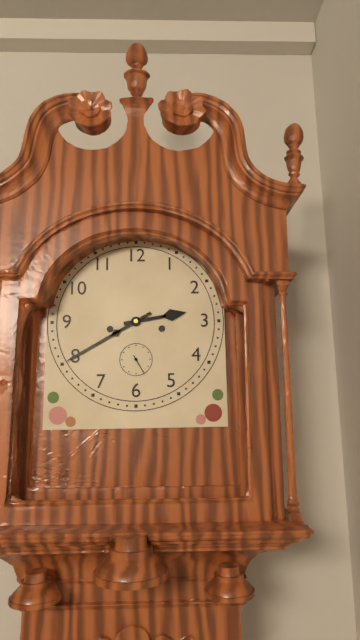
2,40
